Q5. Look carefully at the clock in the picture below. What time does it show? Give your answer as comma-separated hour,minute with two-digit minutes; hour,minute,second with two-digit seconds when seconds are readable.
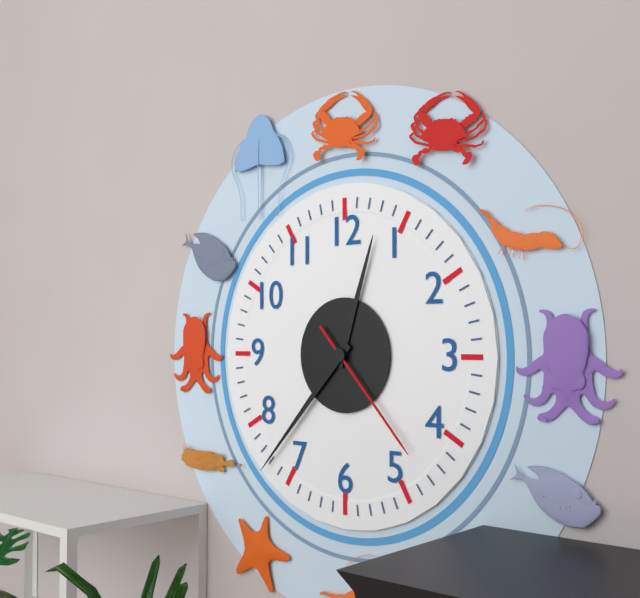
12,37,23
